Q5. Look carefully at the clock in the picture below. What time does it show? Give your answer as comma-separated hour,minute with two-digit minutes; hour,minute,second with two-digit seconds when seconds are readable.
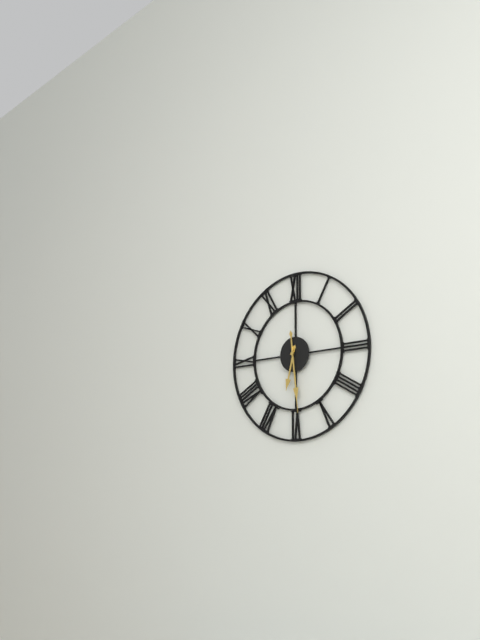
6,29
